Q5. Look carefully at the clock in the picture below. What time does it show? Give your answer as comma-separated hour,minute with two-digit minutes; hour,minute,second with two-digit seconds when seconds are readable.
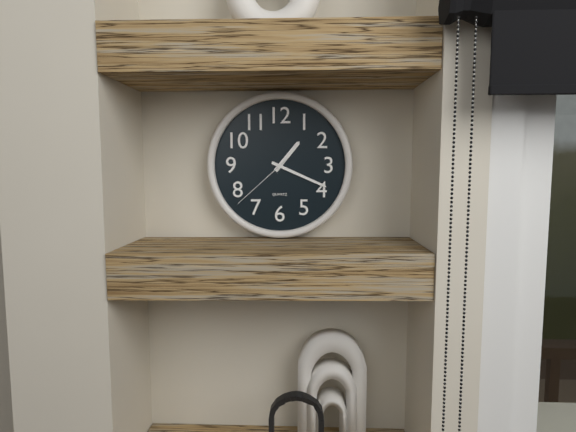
1,19,38
